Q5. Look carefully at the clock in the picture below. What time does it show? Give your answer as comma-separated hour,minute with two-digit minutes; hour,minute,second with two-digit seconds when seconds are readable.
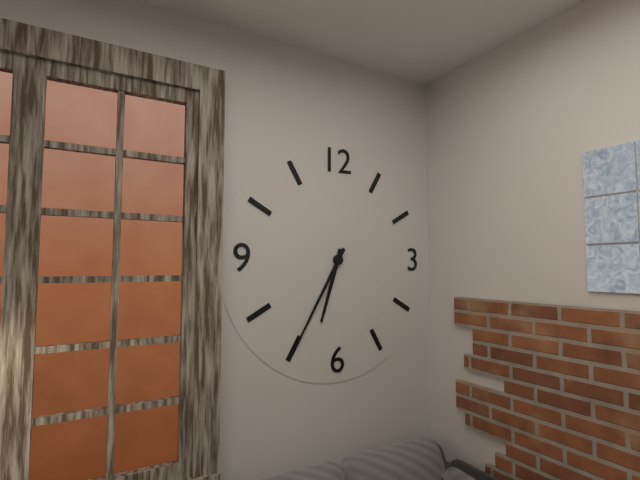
6,35
